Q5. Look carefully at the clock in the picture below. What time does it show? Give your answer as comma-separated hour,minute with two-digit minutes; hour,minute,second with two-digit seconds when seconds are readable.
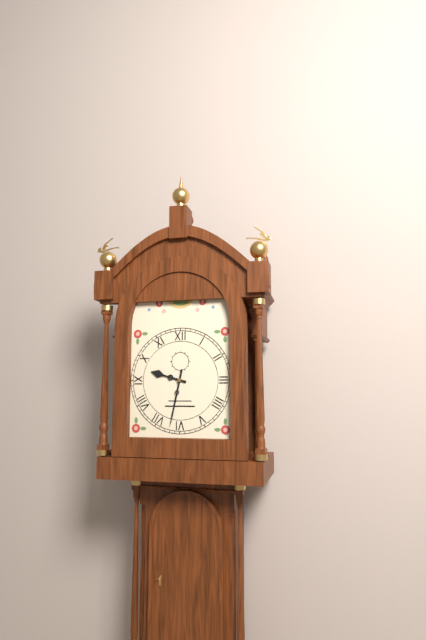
9,32
